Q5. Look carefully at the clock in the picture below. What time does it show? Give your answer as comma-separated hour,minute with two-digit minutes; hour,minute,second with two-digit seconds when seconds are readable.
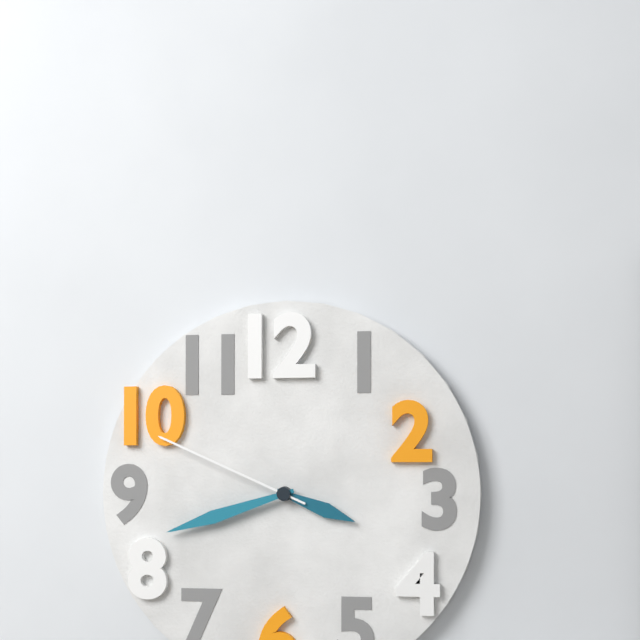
3,42,49
